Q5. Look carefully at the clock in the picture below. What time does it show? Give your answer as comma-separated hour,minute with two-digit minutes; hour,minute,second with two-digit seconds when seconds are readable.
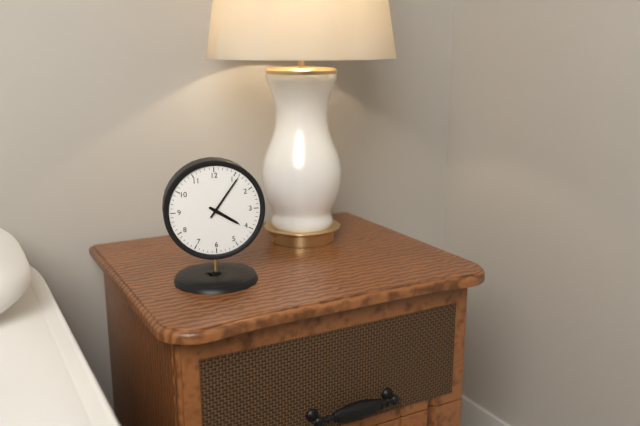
4,06
